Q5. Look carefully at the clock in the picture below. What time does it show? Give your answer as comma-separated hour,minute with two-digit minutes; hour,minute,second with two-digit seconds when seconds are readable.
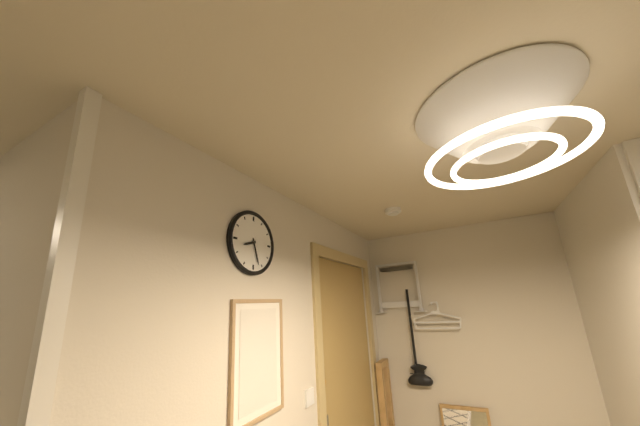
8,27
